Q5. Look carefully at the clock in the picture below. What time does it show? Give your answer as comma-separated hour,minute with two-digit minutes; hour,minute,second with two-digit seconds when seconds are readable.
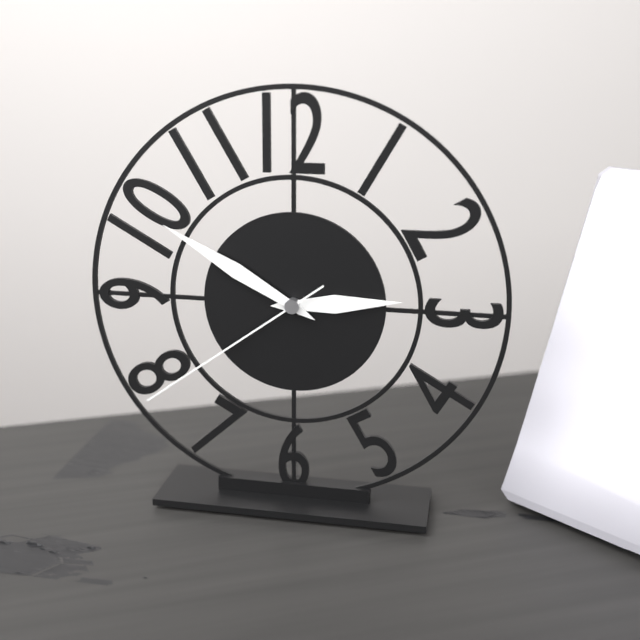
2,50,39
